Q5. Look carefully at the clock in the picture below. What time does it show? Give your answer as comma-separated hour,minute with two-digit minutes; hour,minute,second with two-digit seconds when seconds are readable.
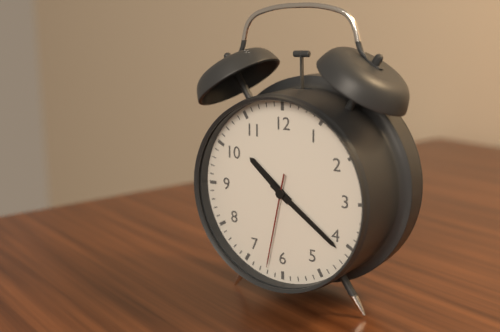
10,21,32
